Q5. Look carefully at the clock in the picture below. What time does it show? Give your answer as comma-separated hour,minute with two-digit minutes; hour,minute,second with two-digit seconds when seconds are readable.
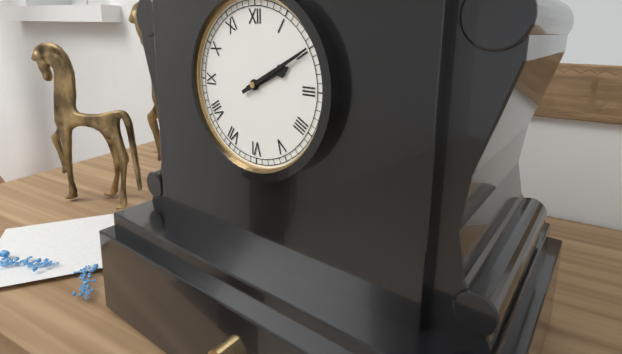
2,10
